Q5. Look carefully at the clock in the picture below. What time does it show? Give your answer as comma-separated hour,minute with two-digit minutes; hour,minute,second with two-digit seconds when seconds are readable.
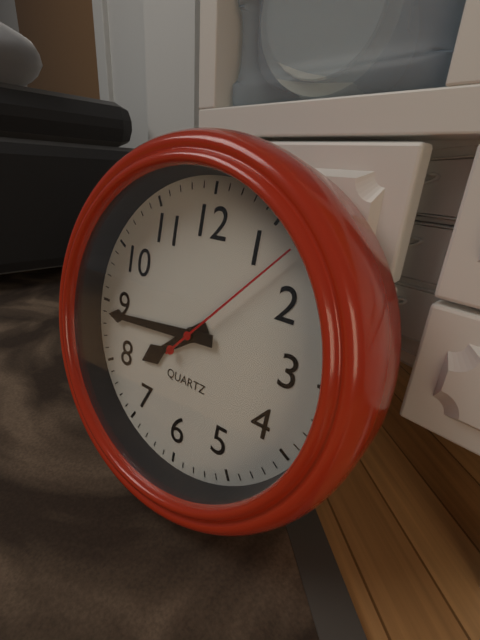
7,44,07
